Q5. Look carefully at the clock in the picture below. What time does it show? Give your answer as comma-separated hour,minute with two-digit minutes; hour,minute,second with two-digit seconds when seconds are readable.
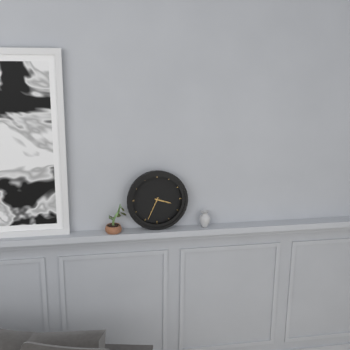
3,34
